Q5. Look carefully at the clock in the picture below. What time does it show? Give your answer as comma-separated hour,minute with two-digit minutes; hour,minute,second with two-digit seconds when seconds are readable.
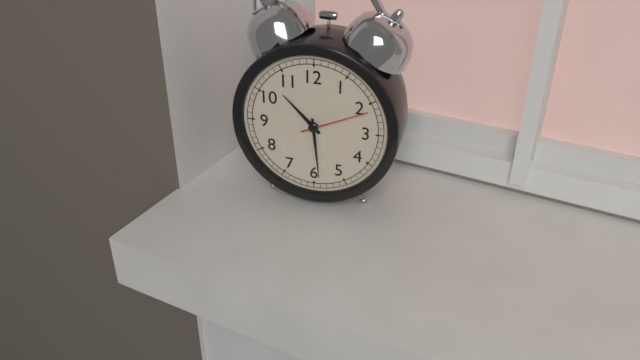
10,29,11
